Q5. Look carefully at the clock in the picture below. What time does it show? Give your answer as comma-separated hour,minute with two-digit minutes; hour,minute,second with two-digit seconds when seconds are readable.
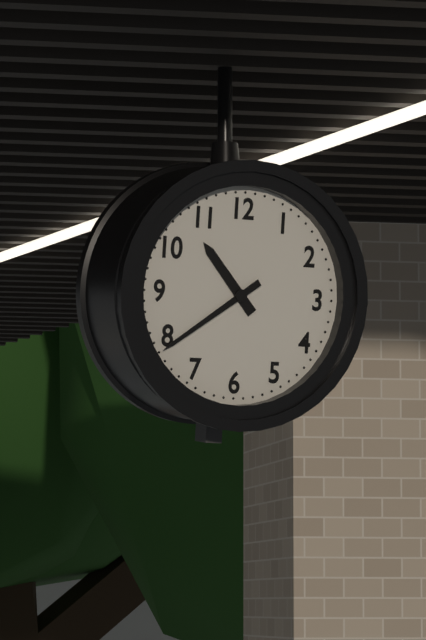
10,39
